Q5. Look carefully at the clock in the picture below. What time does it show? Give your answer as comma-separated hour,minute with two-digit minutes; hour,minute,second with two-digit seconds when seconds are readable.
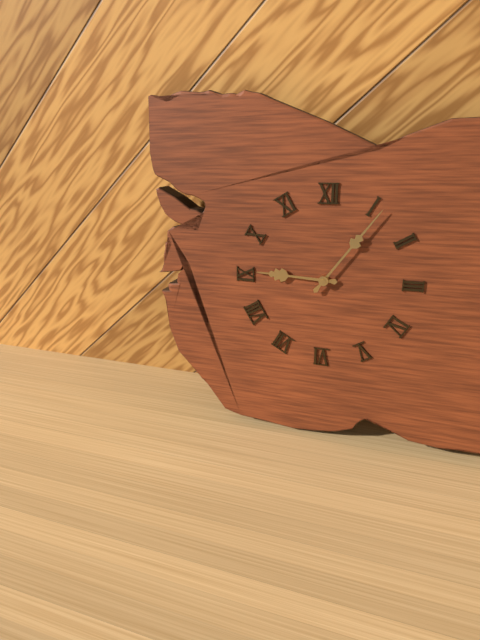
9,06
